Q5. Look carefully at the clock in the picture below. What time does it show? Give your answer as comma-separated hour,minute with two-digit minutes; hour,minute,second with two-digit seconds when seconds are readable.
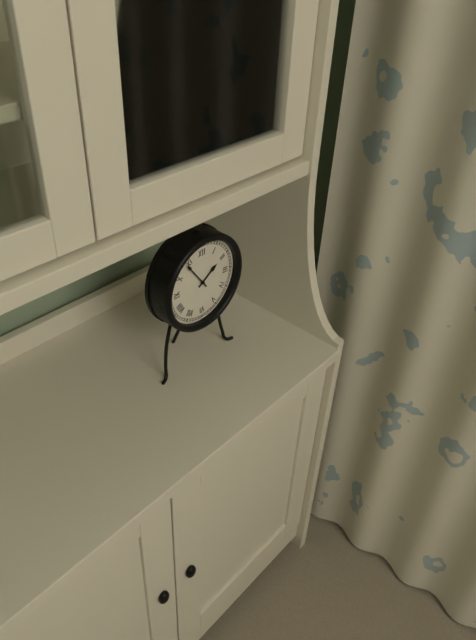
1,54
